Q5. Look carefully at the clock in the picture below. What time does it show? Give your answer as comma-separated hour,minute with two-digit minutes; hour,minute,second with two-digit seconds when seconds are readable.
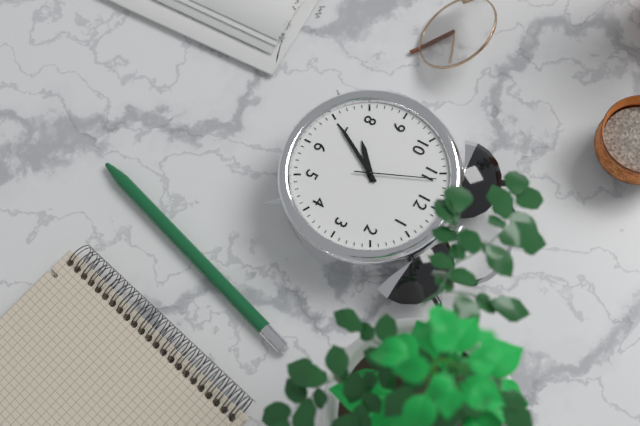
7,35,56
